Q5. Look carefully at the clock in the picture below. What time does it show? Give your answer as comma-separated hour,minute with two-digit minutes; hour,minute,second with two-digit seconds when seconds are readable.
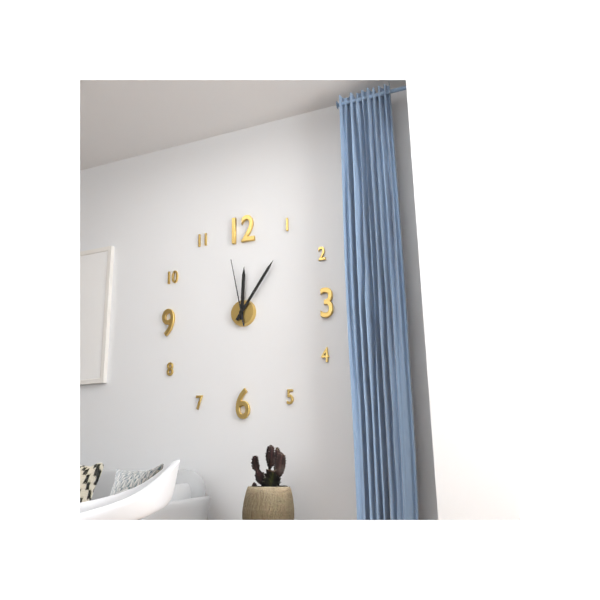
12,06,58
